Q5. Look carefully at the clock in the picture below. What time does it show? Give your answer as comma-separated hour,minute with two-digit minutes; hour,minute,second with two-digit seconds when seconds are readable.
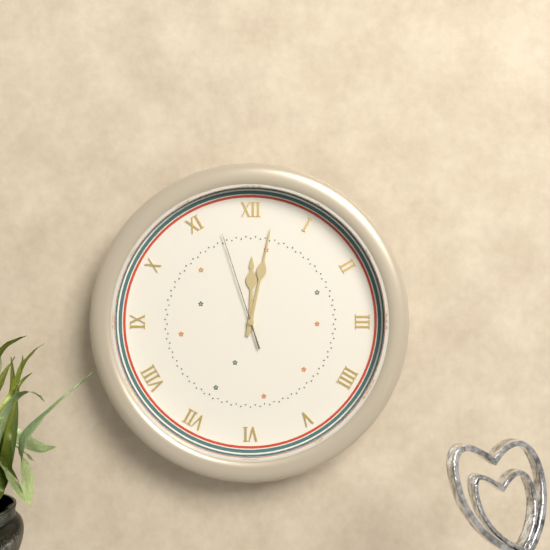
12,02,57
